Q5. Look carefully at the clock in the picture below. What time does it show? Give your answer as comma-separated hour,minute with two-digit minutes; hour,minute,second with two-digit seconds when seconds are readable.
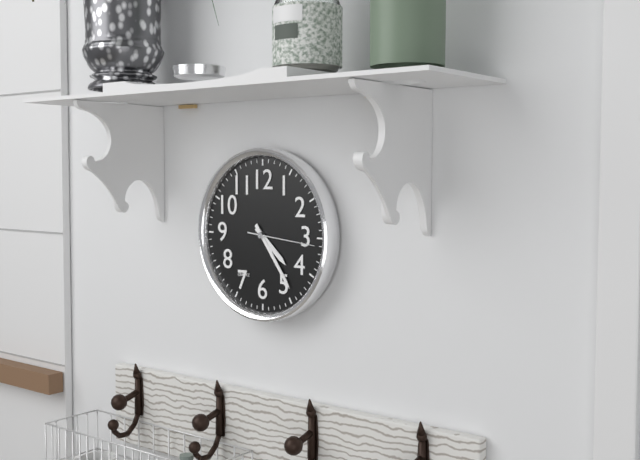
4,24,16
